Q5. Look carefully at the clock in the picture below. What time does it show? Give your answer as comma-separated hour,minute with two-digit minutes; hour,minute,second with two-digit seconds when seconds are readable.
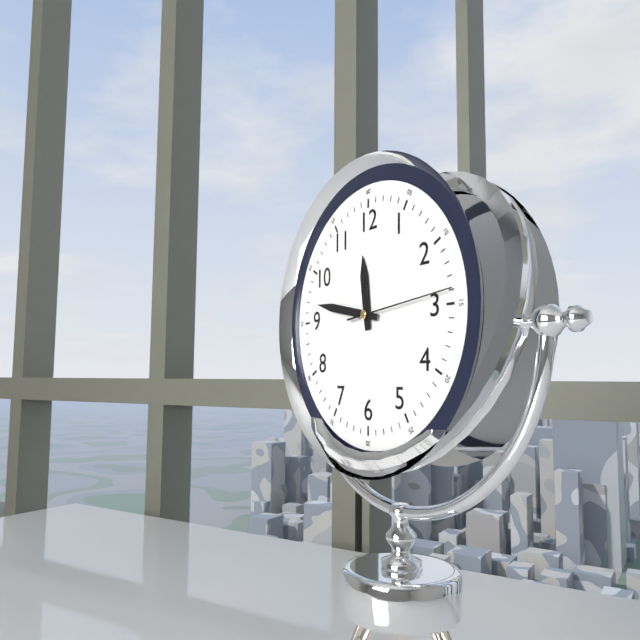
11,47,14
